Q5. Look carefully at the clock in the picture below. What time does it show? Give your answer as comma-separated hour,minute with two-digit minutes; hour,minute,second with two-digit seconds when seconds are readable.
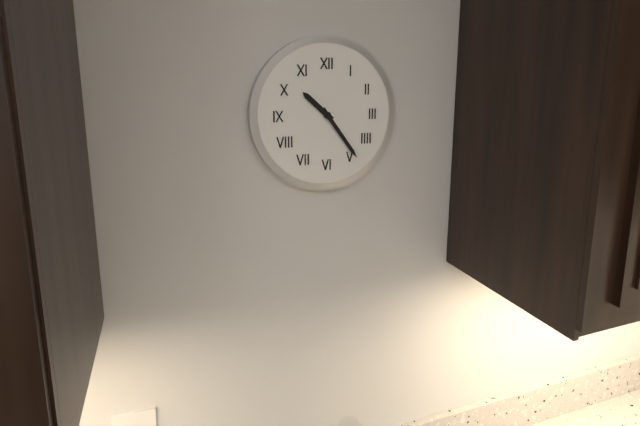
10,24
